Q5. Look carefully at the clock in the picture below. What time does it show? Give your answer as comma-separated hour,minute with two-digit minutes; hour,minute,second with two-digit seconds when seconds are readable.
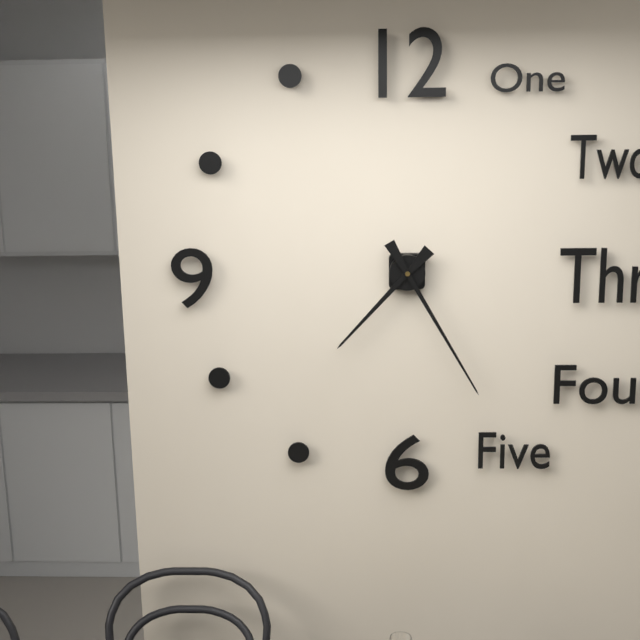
7,25
